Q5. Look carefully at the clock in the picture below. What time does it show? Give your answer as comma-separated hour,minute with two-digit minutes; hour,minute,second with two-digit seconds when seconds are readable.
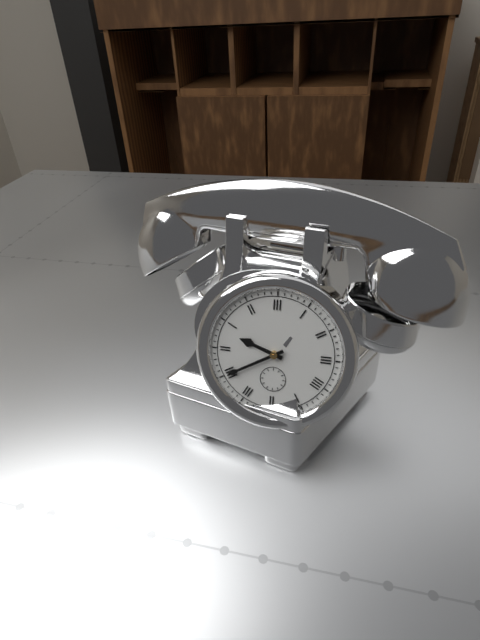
9,40
